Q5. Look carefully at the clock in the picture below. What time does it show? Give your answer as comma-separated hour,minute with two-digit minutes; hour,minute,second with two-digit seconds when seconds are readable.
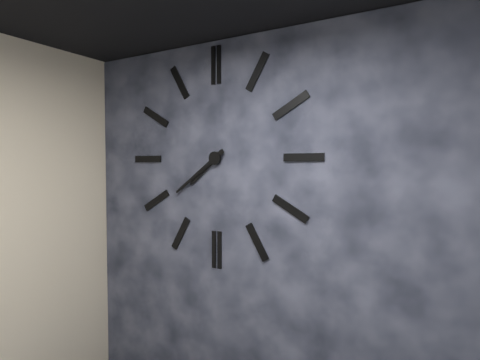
7,39
